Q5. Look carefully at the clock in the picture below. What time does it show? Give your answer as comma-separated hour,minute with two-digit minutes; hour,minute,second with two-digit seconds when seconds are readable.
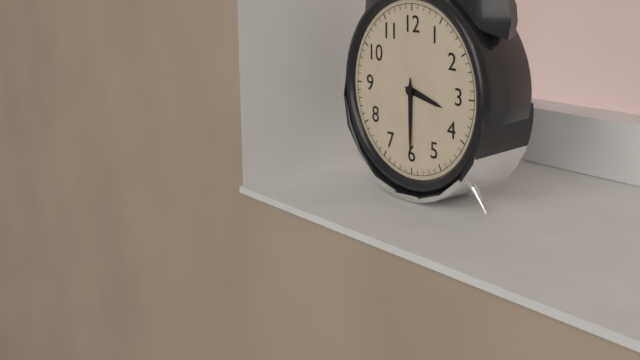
3,30
